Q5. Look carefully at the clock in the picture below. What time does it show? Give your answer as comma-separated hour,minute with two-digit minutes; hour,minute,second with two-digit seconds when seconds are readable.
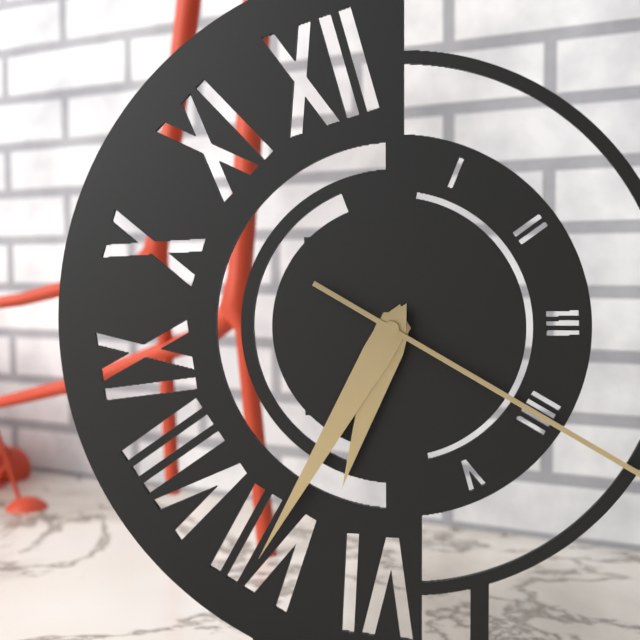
6,35
